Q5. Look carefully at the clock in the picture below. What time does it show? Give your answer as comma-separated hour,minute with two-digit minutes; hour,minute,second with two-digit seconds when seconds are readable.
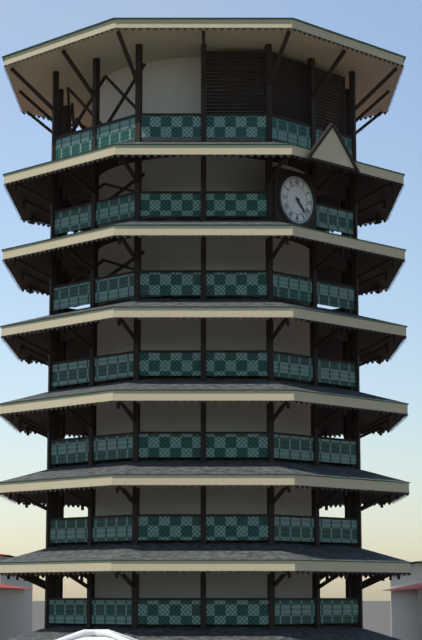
4,23
